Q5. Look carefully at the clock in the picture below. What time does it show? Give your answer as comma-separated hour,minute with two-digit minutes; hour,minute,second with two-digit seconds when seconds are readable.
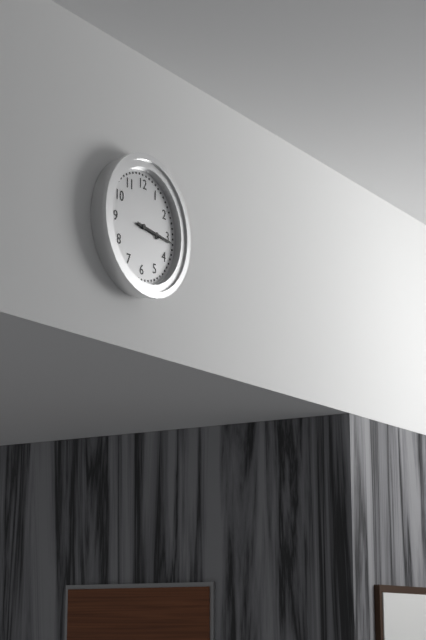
3,16
